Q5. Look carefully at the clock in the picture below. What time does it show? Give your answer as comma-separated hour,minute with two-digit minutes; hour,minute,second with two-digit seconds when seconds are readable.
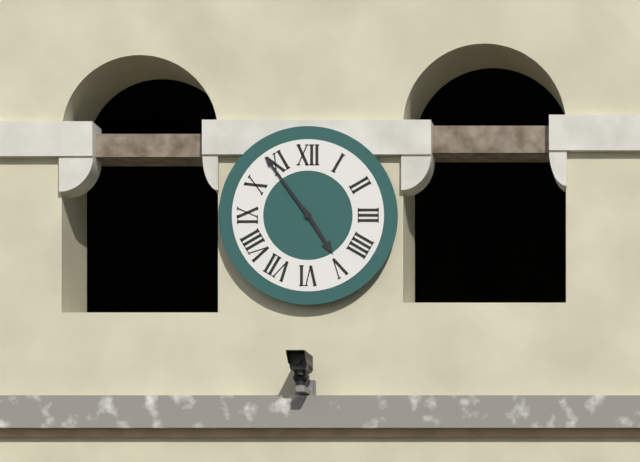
4,54
